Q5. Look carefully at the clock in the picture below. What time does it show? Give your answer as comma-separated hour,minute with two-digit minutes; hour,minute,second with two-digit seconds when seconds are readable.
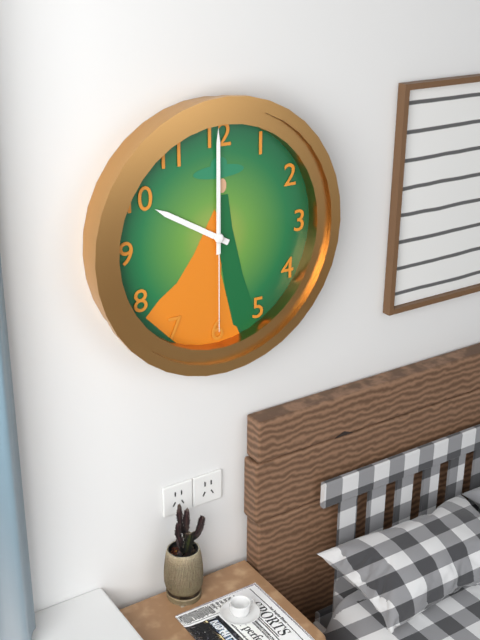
10,00,30
